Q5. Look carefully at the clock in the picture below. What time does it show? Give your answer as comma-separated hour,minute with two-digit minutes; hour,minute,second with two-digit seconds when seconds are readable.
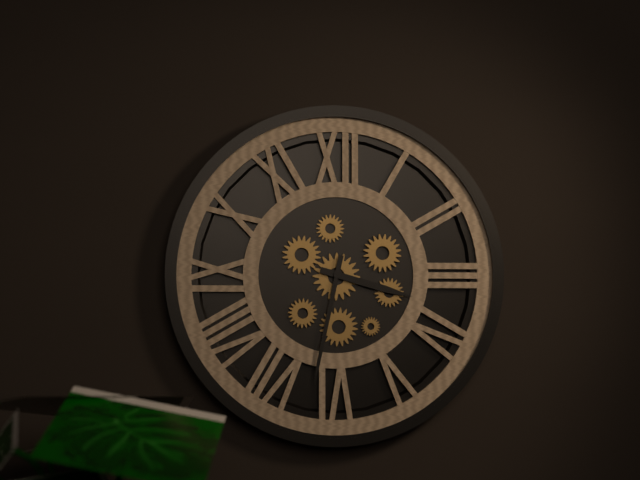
3,32
